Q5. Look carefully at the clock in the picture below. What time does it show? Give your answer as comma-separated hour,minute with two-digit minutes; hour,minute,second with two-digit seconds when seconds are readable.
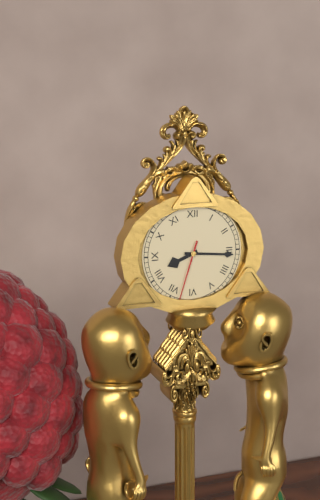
8,16,33
